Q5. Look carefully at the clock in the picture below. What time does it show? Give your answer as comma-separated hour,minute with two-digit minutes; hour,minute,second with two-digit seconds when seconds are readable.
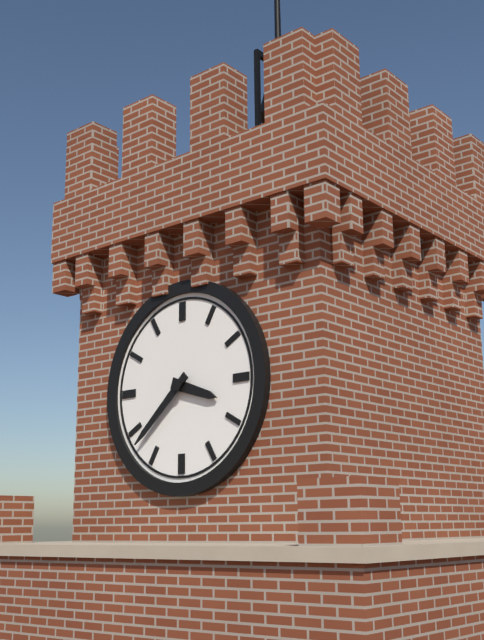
3,38
